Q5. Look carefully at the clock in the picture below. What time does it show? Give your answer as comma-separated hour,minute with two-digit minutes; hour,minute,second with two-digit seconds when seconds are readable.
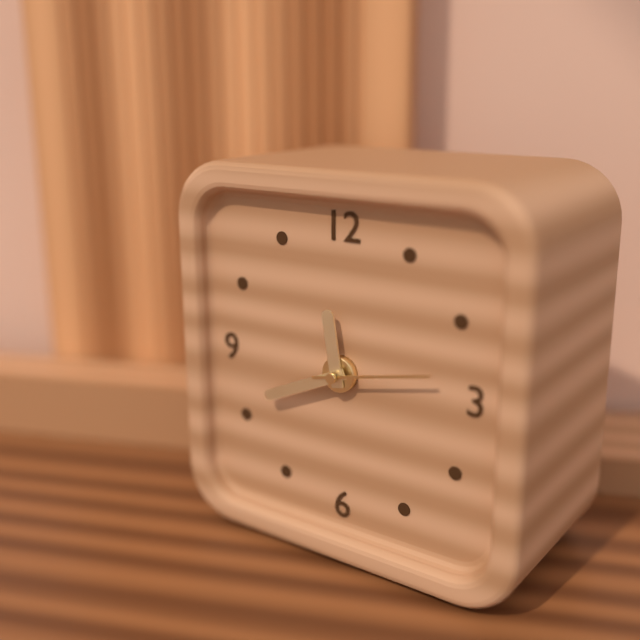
11,41,13
